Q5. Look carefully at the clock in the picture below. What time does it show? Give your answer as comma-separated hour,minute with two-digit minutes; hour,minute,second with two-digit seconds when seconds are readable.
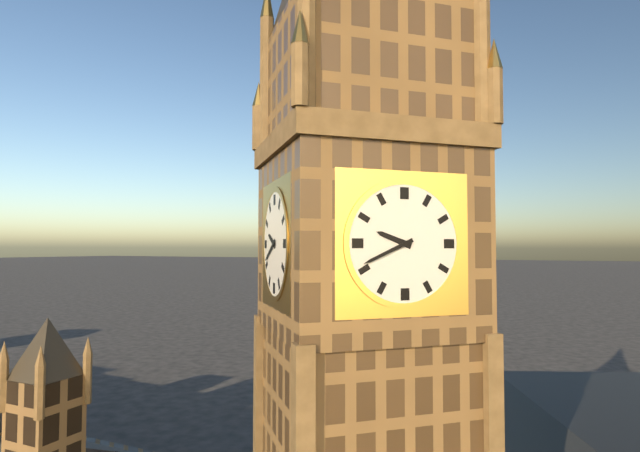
9,41
